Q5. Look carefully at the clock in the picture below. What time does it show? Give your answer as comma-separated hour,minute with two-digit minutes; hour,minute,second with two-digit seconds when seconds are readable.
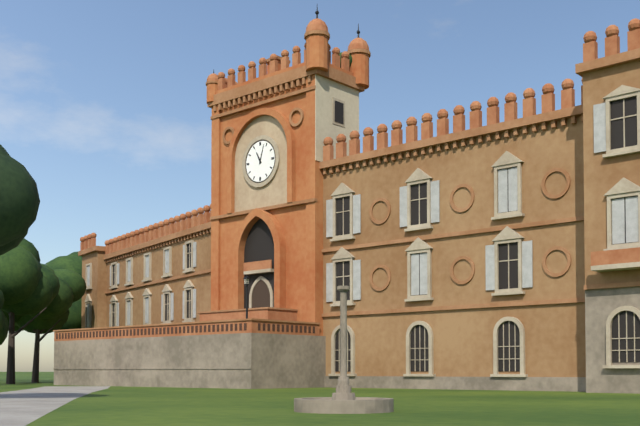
11,03
